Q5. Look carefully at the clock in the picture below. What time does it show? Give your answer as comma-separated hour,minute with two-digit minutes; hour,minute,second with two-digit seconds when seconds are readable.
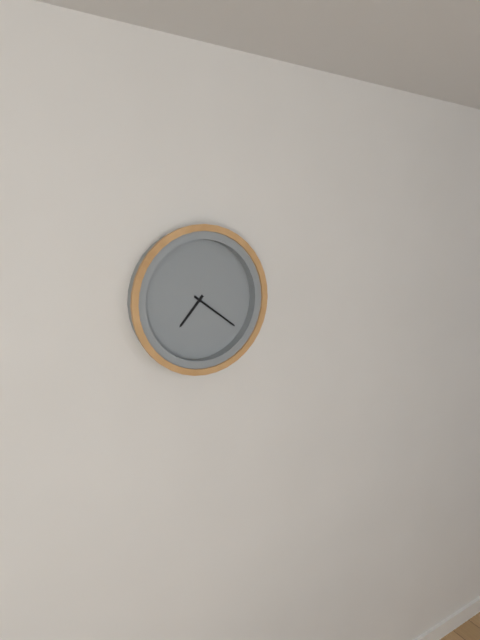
7,21
